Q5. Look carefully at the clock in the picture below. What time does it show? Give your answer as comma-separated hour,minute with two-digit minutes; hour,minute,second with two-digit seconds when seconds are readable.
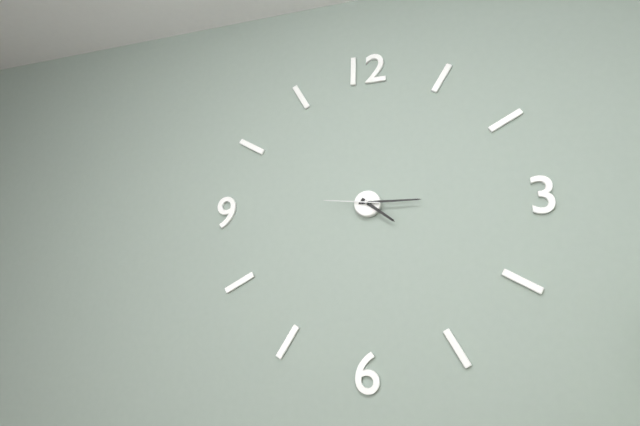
4,15,46
